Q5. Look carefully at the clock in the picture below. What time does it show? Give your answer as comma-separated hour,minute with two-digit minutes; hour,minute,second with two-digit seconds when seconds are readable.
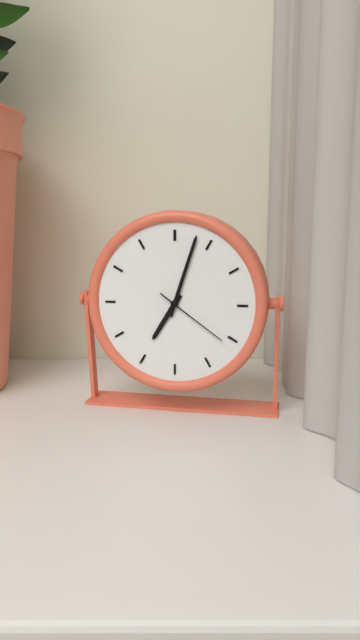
7,03,21
